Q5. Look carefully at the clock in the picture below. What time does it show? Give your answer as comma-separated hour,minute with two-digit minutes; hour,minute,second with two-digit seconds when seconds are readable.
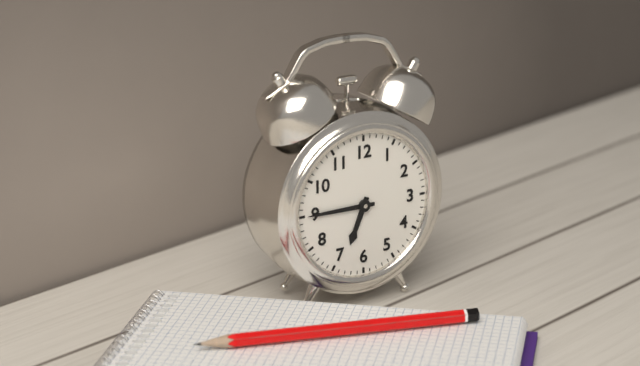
6,45
